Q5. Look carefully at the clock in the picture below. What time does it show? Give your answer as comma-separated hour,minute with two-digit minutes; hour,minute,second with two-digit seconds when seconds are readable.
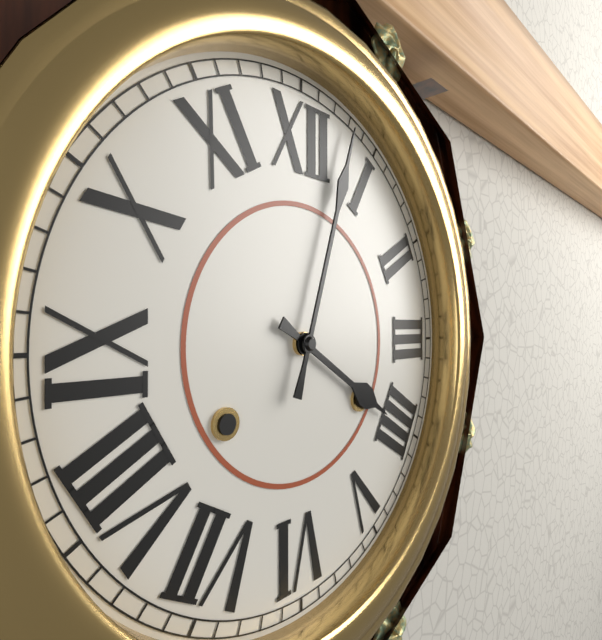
4,03
